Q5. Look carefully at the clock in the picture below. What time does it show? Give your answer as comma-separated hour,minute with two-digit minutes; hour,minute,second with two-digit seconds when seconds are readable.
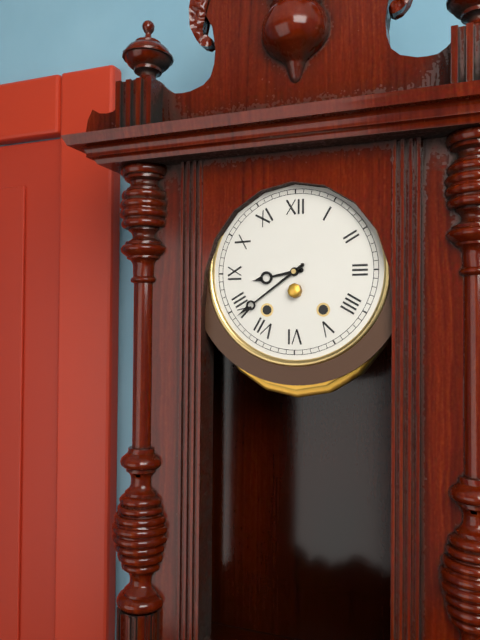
8,39
